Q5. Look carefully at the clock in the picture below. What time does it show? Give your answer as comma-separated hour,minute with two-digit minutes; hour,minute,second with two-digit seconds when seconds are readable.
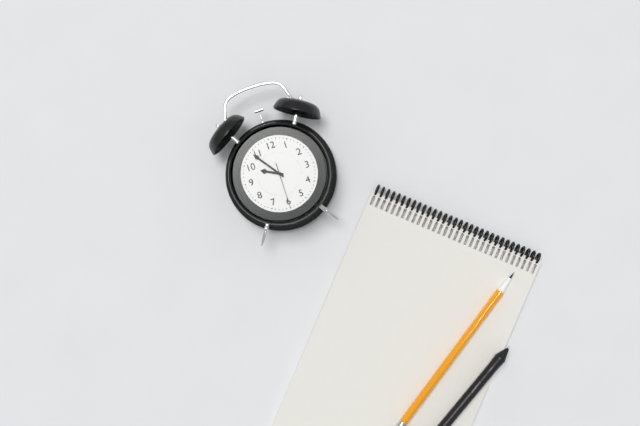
9,54
